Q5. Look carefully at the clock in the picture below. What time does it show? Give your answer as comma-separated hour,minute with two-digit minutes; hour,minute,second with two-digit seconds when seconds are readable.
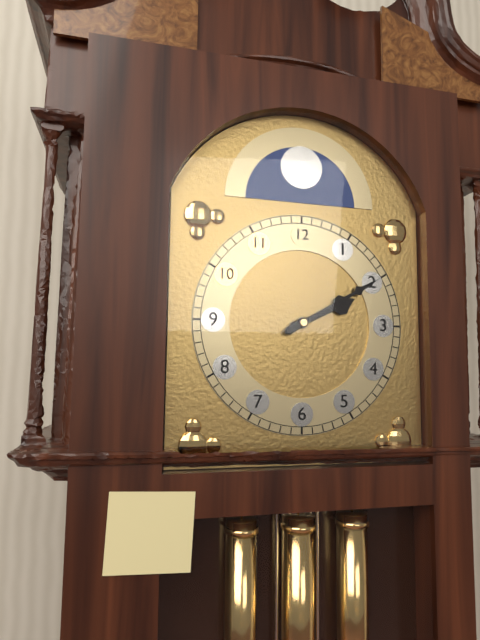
2,10
